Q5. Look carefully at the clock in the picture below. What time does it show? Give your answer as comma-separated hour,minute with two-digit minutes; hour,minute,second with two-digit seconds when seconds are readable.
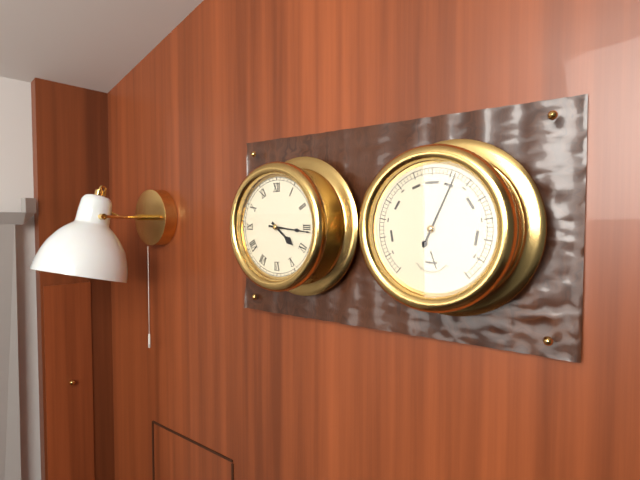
4,16
